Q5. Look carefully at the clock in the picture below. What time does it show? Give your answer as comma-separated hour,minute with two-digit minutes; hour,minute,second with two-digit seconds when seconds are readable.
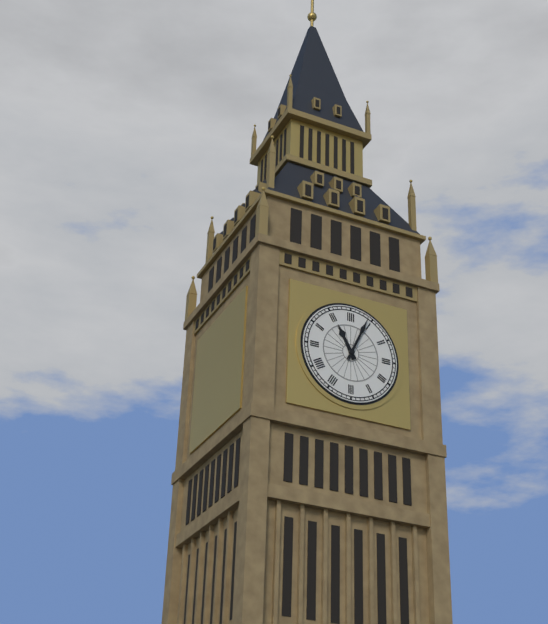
11,04
